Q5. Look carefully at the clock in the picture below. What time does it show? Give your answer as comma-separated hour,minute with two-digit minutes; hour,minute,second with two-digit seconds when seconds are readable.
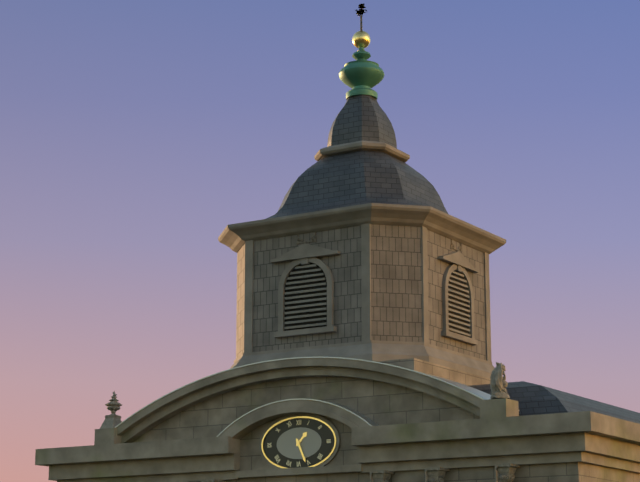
1,26
